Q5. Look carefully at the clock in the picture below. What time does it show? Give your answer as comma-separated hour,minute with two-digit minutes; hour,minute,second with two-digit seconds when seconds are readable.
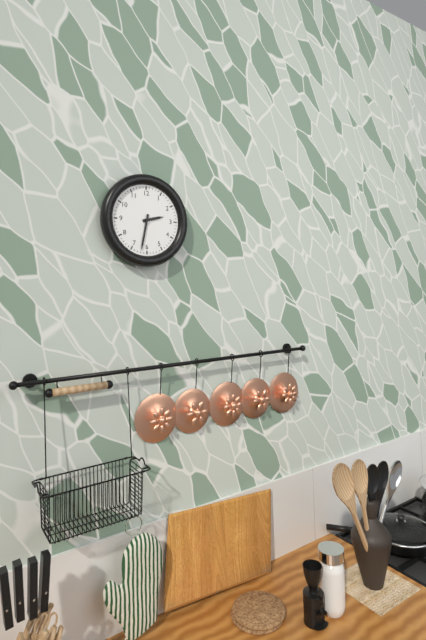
2,32
